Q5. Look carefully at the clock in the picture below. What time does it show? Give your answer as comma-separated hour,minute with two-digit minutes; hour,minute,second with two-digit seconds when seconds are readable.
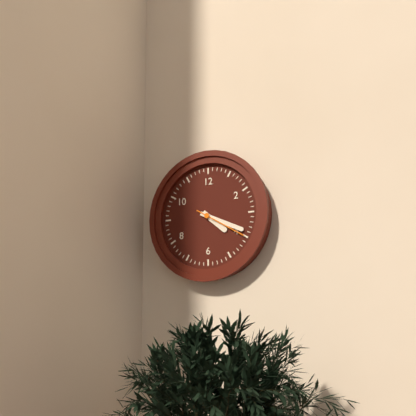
4,19,20
